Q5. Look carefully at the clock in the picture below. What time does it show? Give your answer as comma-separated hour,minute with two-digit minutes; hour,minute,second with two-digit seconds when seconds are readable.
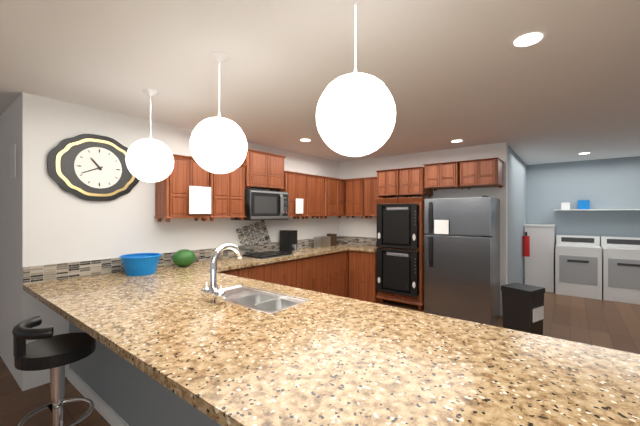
10,41
